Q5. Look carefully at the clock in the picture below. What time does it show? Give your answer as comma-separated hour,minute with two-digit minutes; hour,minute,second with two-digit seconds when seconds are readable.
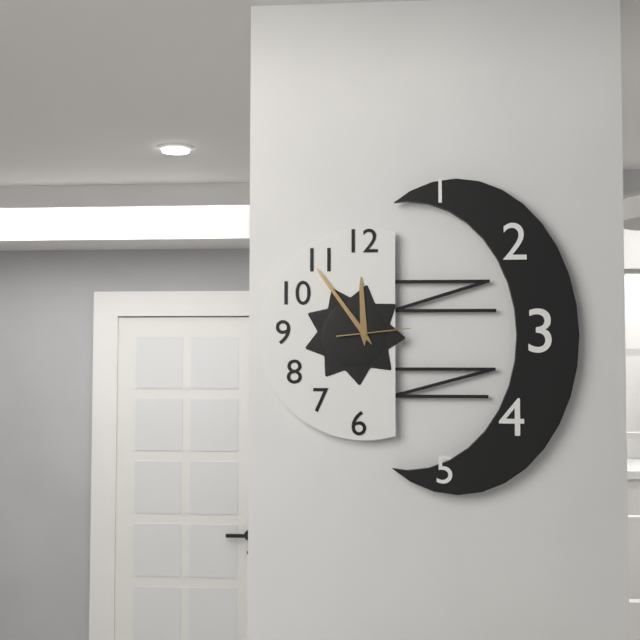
11,54,14
